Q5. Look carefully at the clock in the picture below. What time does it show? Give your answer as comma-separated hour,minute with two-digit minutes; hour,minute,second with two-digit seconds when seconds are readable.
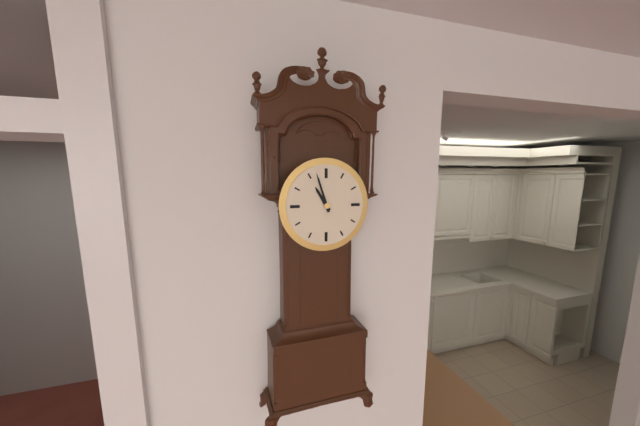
10,57
